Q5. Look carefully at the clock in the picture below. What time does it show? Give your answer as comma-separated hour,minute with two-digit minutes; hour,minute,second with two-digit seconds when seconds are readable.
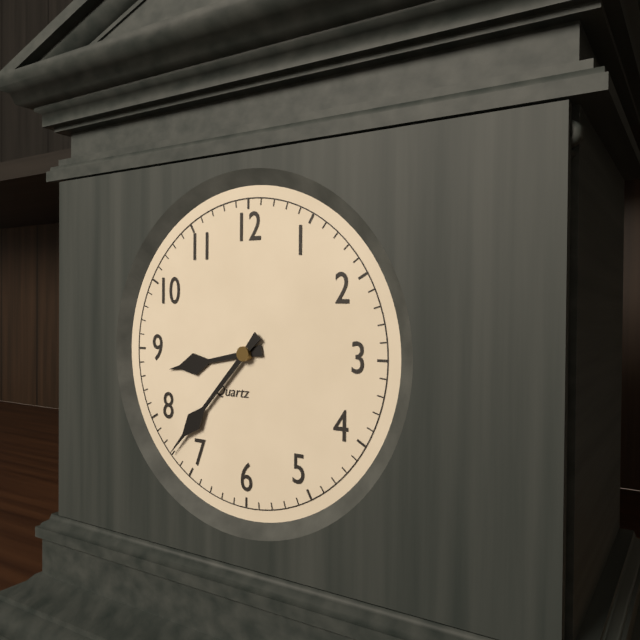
8,37
